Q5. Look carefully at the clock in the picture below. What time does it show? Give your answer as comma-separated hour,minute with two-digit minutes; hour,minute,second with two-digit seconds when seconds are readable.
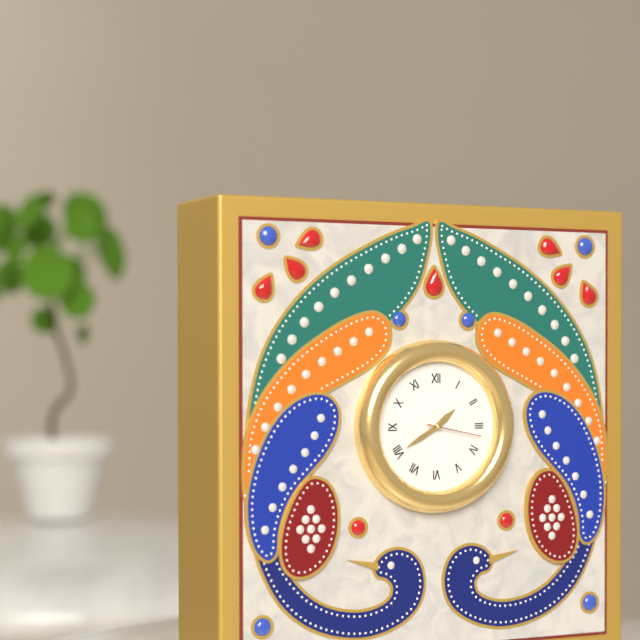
1,40,17
